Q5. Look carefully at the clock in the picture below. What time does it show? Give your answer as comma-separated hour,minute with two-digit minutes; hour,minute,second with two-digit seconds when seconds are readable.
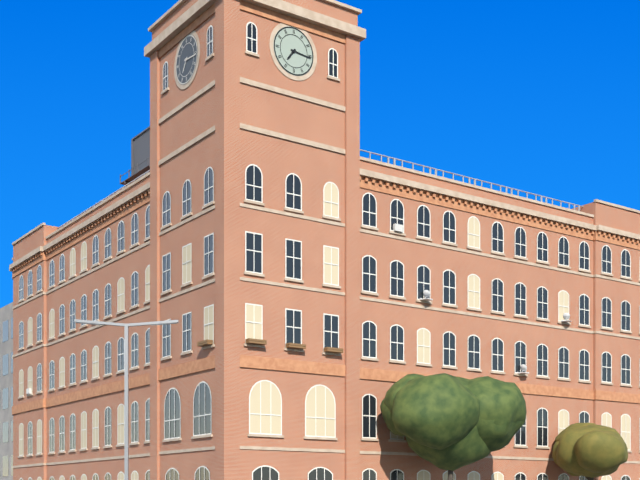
7,16
